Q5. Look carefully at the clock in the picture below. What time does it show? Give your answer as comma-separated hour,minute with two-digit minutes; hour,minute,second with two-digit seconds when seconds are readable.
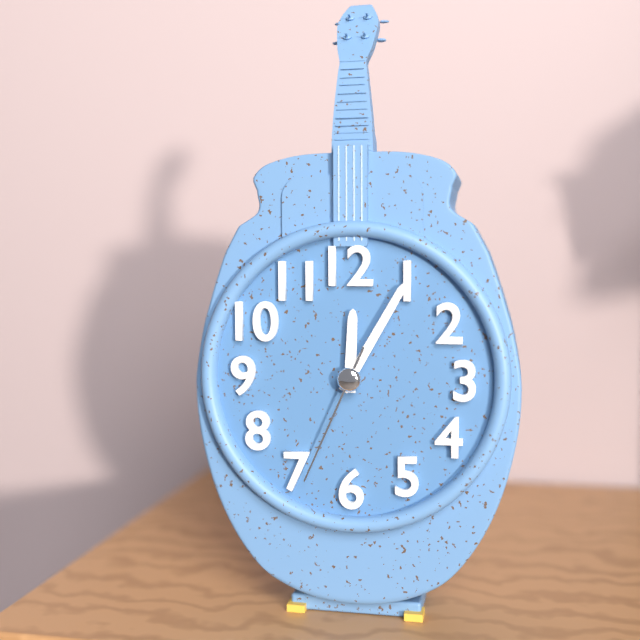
12,05,34
